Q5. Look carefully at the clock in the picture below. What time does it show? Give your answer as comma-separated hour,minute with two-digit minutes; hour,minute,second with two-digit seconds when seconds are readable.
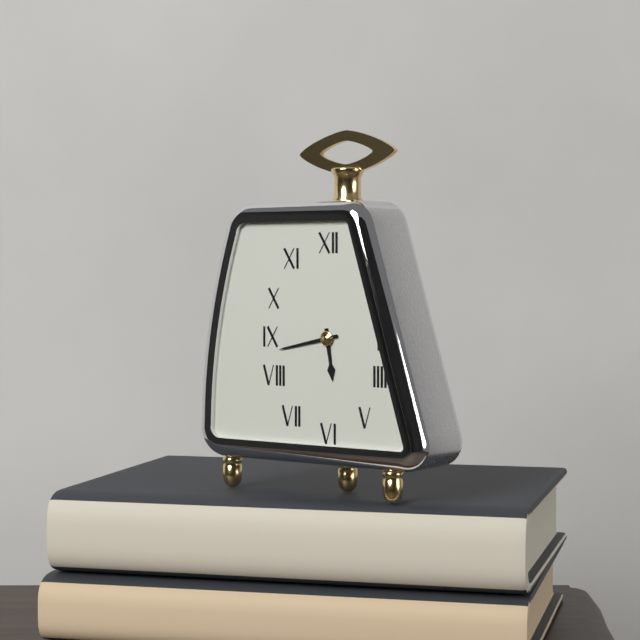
5,43
